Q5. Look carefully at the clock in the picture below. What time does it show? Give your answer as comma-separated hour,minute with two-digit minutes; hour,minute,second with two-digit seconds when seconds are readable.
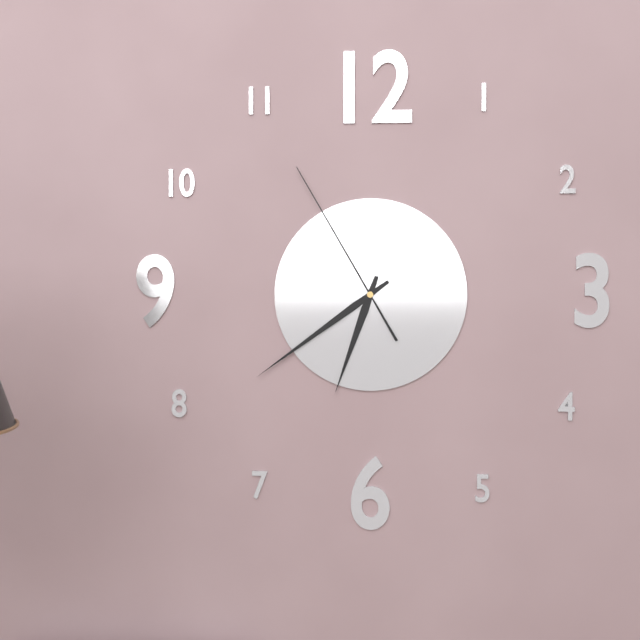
6,39,55
